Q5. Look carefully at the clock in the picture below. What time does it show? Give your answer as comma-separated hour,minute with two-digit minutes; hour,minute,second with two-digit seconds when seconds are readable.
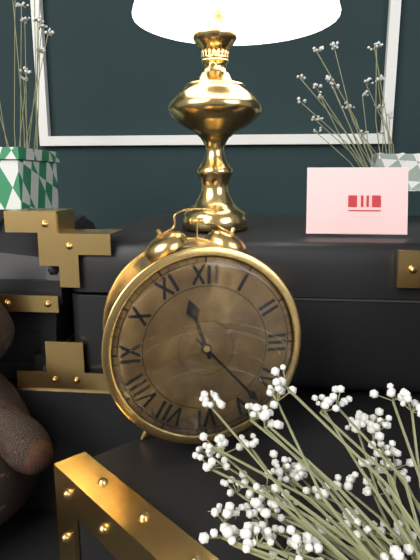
11,23
